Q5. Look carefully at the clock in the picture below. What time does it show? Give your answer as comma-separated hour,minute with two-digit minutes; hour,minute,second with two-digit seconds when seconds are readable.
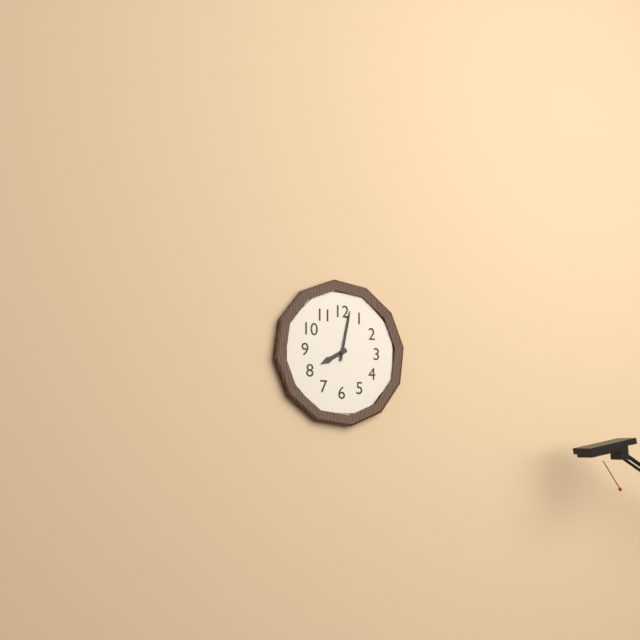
8,02
